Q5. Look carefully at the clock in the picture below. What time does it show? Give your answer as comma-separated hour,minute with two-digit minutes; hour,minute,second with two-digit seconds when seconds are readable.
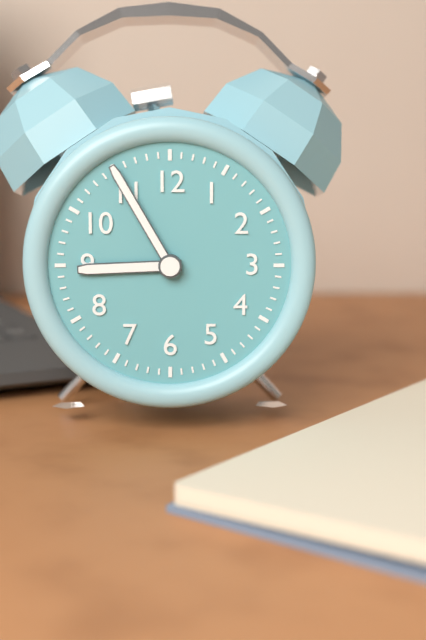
8,55
